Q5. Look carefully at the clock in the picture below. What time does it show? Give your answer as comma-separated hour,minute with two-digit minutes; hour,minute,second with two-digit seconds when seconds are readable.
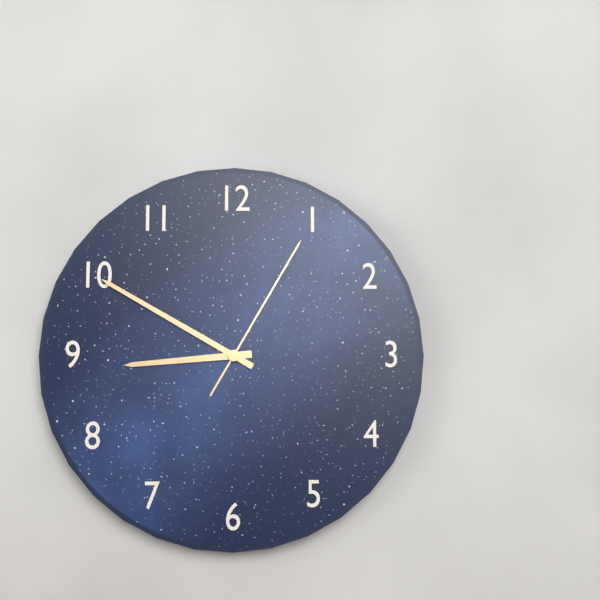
8,50,05
